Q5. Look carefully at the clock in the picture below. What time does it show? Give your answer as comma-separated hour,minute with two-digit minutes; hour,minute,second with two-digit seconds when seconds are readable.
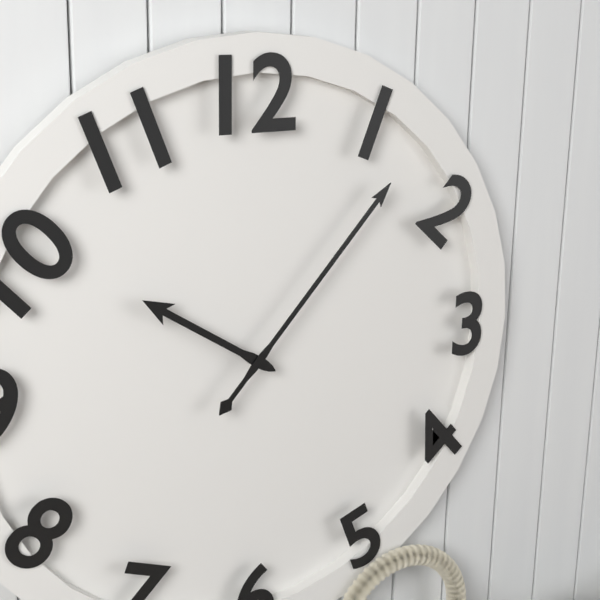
10,07
